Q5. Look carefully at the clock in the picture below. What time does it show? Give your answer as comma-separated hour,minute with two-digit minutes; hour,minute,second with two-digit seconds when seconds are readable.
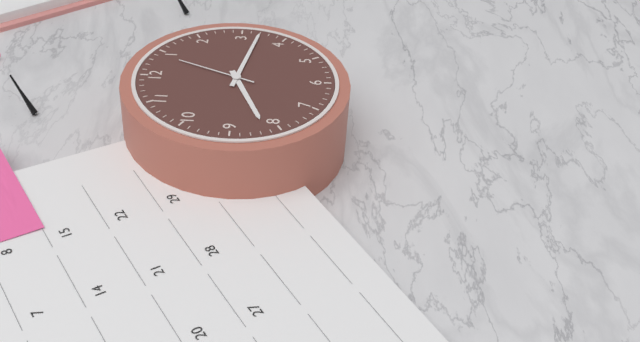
8,17,04
